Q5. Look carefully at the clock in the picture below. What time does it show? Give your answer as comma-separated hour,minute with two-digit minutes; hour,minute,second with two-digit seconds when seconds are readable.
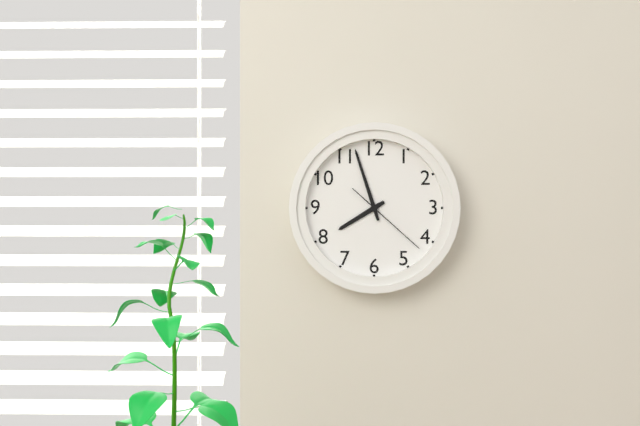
7,57,22
